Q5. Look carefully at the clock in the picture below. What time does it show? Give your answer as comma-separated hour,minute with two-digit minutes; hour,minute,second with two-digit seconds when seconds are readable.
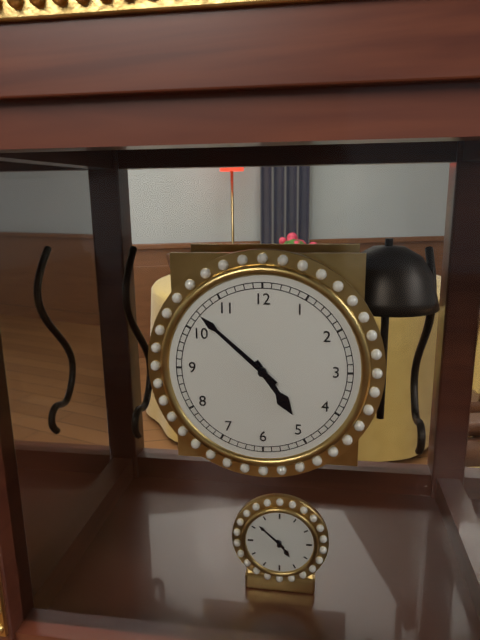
4,52
